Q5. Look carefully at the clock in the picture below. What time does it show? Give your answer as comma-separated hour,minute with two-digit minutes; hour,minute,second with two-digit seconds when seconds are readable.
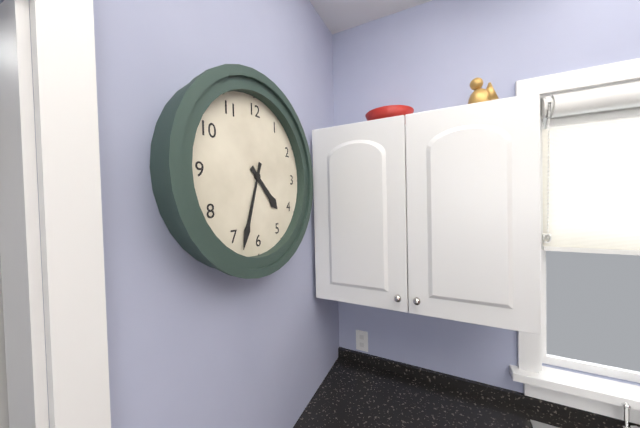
4,33
